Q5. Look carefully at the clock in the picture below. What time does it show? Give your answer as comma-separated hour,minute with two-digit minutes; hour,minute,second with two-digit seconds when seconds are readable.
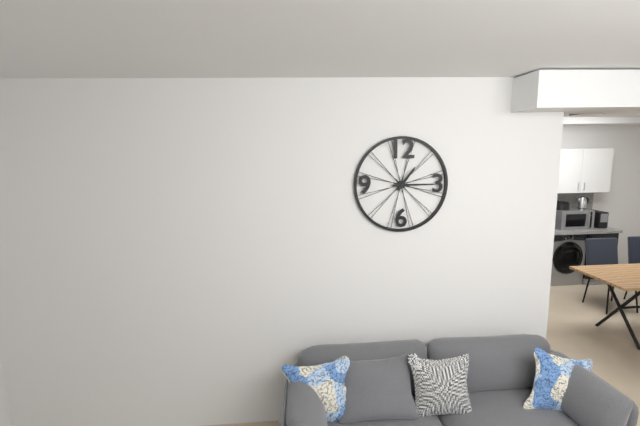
1,15
